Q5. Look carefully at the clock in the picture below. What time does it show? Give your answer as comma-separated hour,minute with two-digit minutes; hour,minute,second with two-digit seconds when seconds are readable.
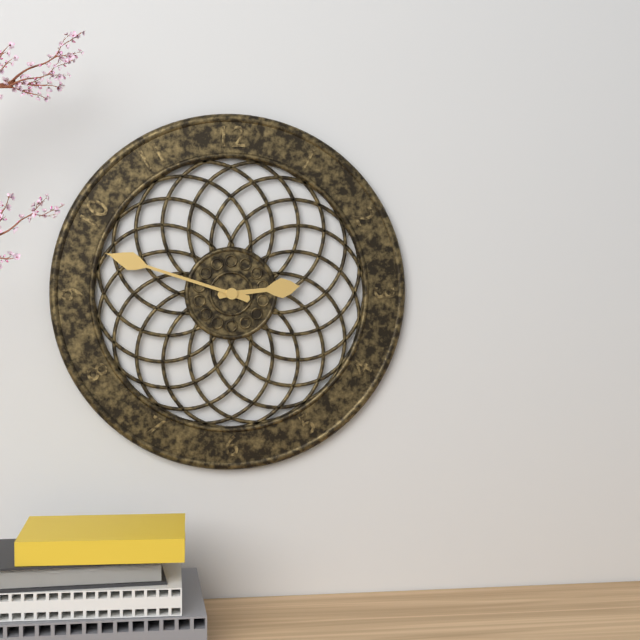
2,48
